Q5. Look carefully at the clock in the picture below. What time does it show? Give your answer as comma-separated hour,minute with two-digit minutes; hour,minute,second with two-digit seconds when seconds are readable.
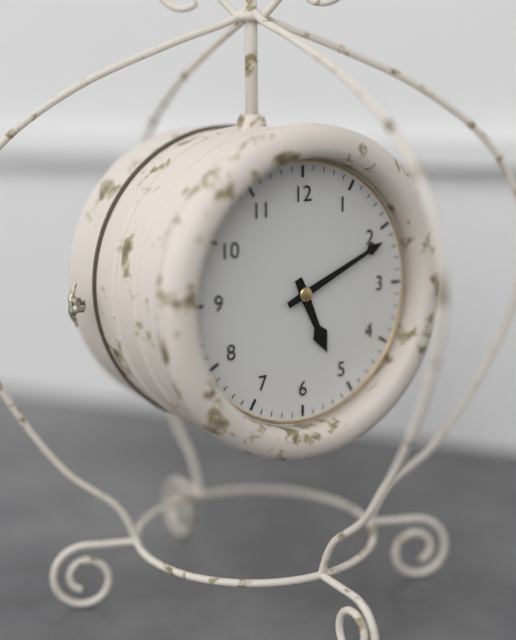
5,11
